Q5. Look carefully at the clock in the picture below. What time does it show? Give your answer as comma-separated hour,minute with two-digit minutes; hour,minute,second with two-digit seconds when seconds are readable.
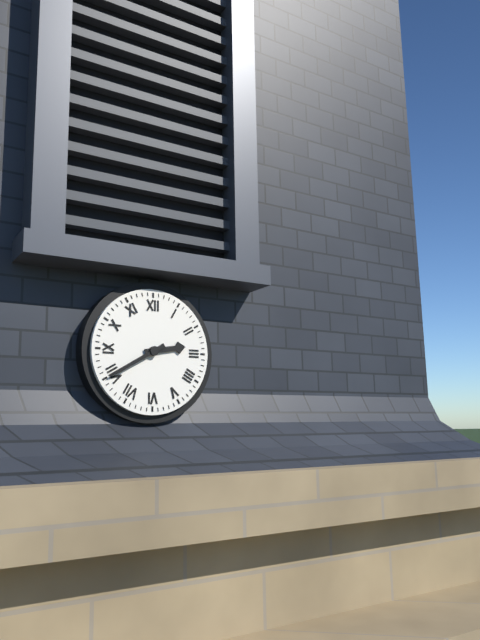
2,40
